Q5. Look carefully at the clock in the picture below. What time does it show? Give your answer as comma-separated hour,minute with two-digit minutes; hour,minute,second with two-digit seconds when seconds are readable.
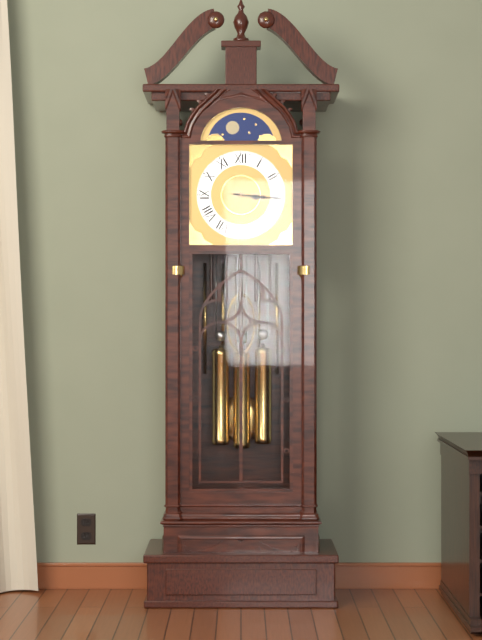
3,16
